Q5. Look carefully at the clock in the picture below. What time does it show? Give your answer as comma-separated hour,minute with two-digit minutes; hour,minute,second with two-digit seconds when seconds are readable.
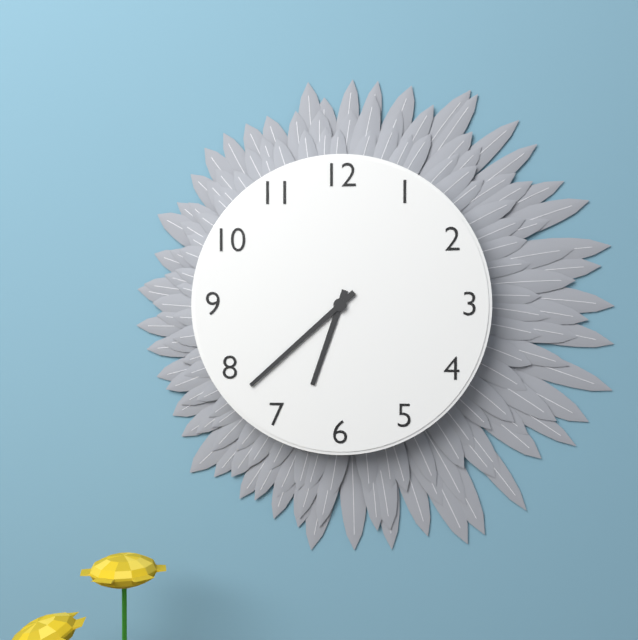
6,38
